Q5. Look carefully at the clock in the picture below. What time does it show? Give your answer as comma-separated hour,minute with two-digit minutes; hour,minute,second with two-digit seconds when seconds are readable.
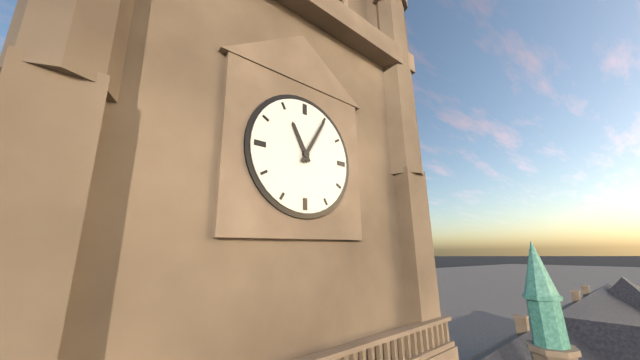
11,05
